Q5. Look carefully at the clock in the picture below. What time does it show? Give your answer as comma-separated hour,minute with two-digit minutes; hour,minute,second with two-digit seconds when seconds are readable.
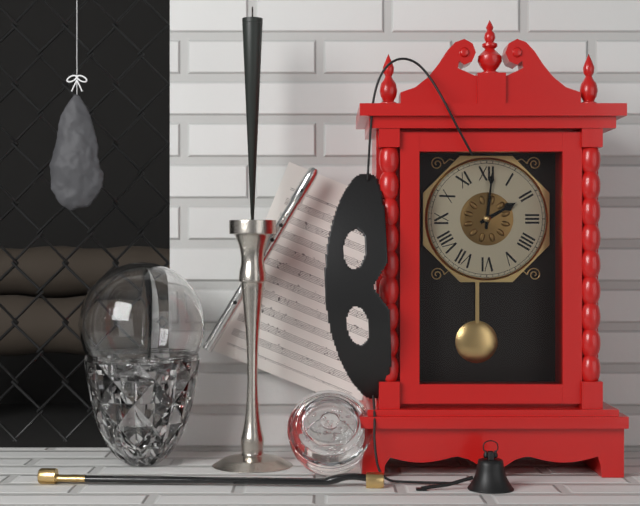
2,01
